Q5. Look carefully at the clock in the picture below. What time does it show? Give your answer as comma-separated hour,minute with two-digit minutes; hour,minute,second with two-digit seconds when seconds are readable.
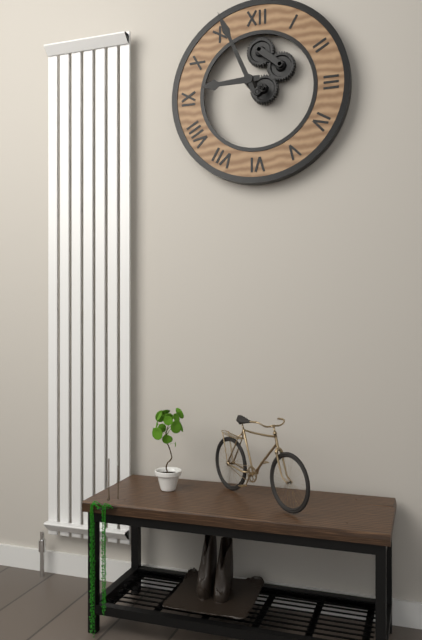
8,56
